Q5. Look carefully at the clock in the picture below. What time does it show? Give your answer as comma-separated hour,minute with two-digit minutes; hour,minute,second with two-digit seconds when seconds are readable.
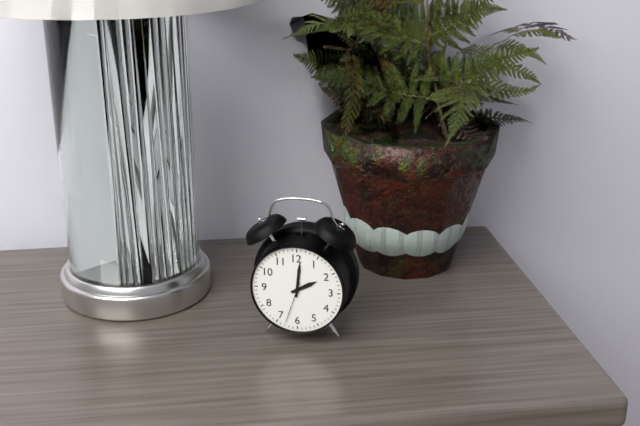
2,01
